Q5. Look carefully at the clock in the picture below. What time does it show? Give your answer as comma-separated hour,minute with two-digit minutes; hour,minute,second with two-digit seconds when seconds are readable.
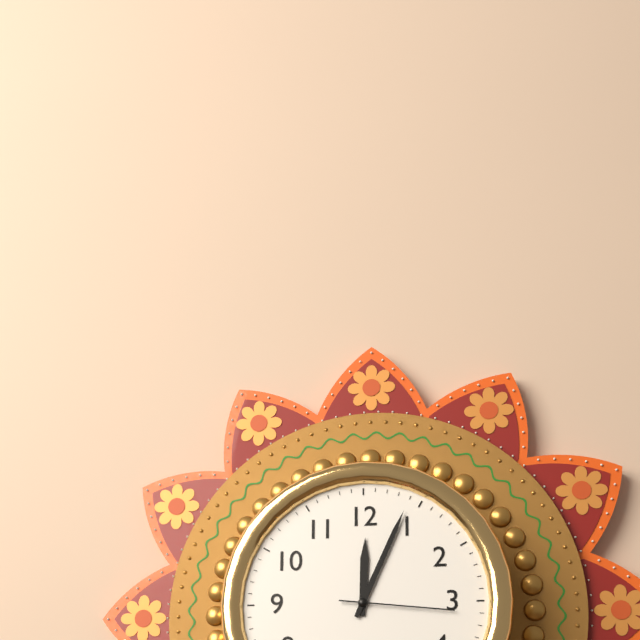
12,04,16
